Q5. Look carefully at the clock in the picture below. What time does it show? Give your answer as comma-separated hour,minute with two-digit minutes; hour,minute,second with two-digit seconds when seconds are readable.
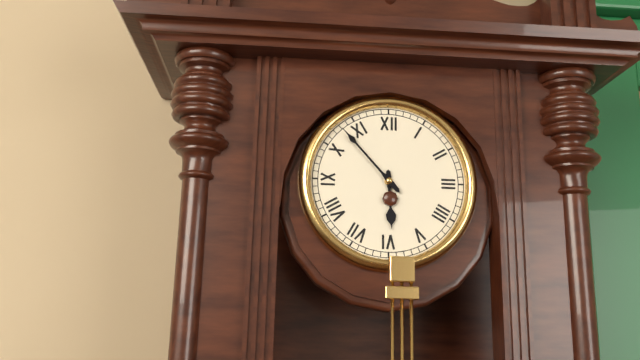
5,53
